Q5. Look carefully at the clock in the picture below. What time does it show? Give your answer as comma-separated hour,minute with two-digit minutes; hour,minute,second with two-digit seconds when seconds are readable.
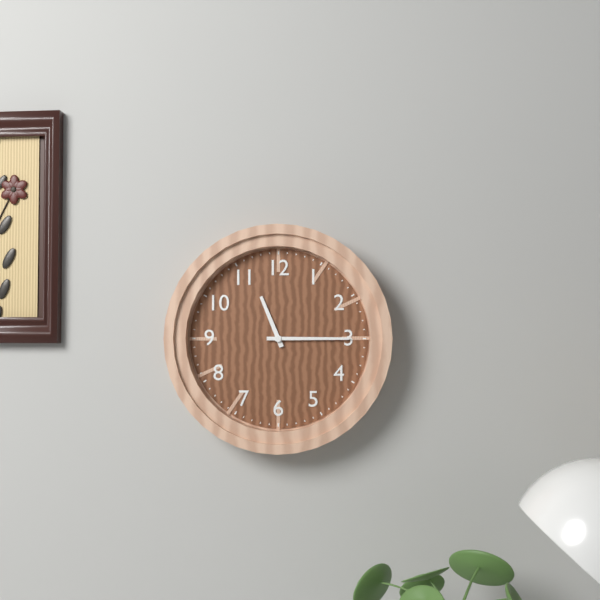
11,15
